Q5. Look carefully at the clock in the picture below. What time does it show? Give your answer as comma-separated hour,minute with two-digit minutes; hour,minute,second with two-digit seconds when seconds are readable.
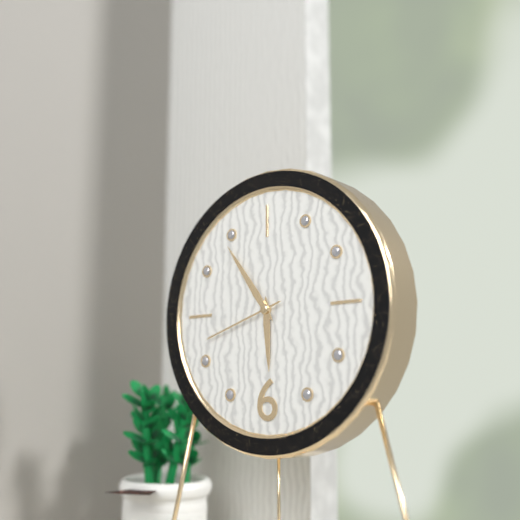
5,54,42
